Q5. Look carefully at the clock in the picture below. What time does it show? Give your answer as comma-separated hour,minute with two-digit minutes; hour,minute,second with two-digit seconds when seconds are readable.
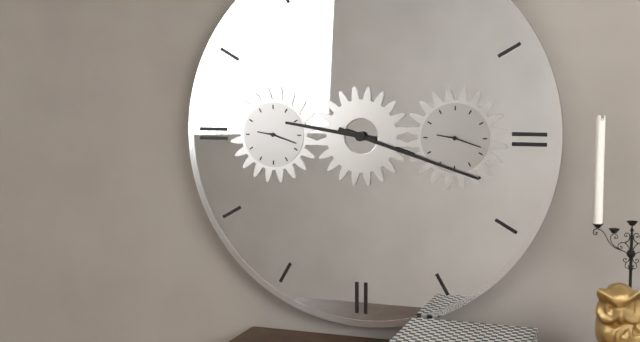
9,18
